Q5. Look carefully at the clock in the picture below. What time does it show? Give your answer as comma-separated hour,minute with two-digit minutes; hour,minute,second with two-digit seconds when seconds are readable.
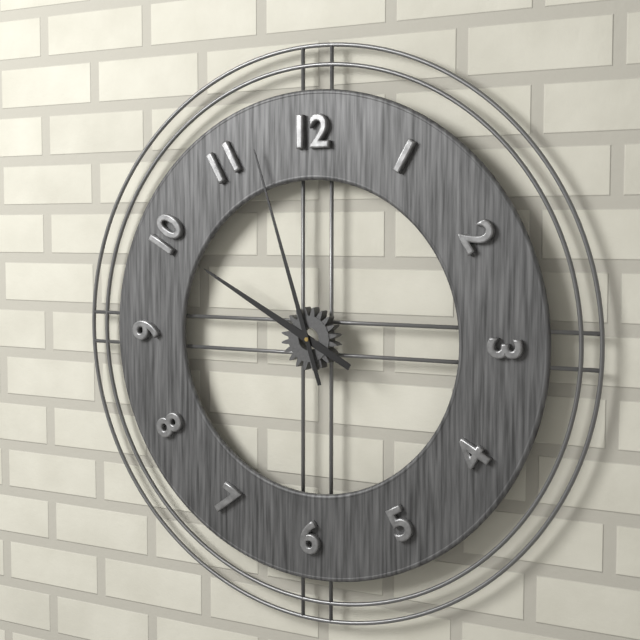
9,57
